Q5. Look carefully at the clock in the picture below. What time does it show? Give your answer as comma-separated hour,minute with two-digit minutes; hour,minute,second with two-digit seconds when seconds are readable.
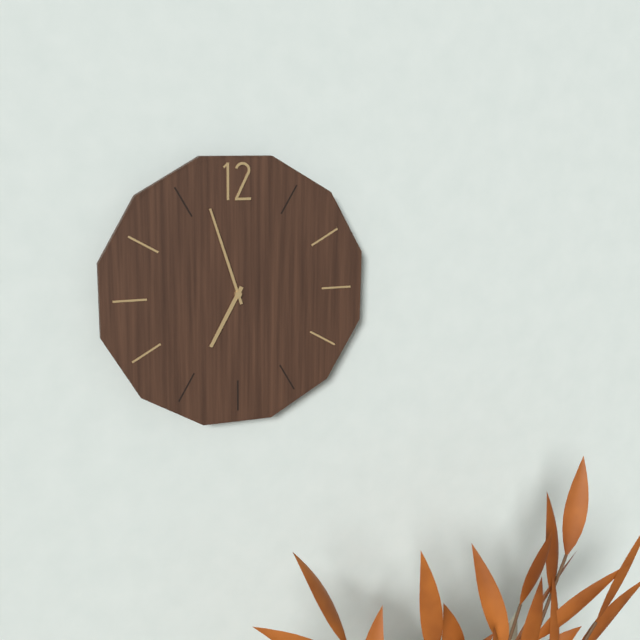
6,57
